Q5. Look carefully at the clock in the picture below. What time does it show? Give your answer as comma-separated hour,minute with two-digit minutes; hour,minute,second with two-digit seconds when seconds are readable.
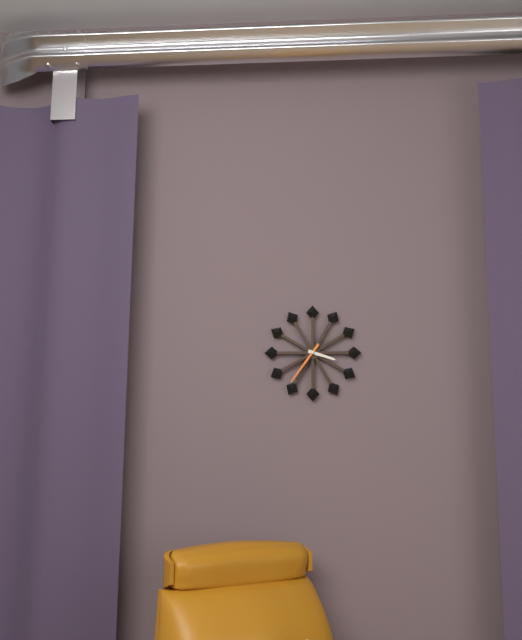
3,36
